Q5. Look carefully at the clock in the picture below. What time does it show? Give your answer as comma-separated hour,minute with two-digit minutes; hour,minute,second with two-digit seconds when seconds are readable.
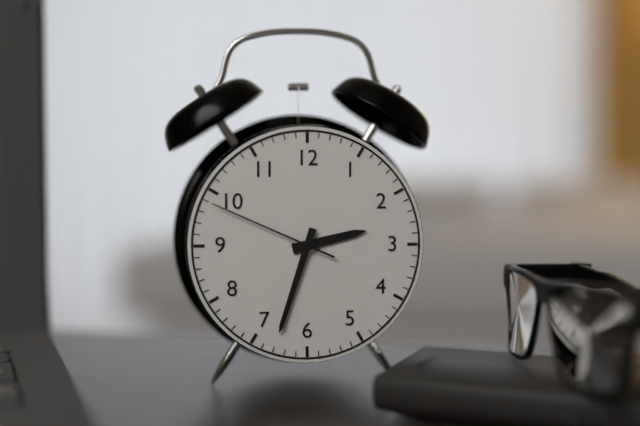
2,33,49
